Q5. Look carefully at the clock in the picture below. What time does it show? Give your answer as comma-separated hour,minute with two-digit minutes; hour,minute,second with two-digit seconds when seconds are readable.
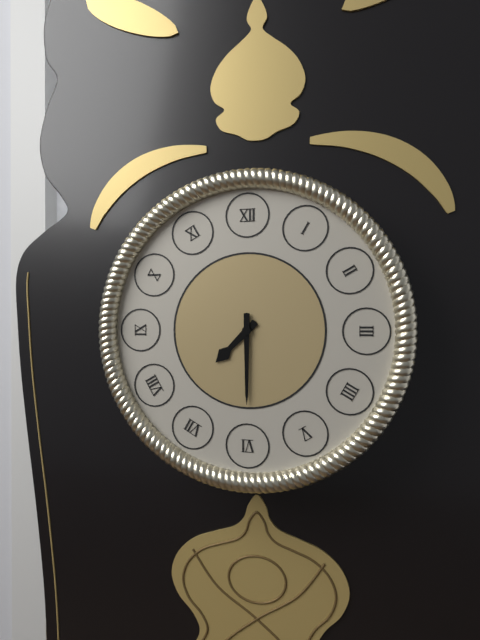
7,30
